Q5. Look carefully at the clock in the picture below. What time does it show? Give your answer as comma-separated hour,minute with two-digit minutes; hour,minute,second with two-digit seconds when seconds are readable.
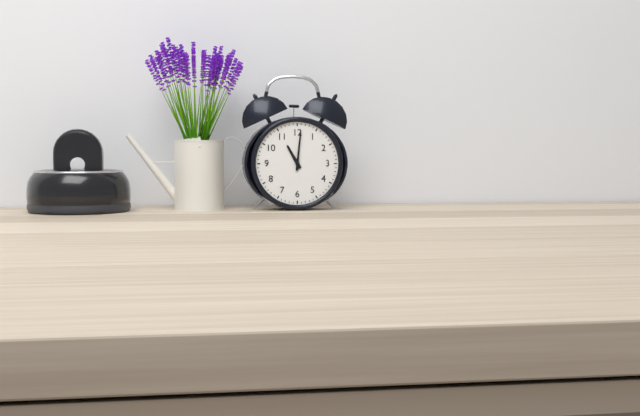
11,01
